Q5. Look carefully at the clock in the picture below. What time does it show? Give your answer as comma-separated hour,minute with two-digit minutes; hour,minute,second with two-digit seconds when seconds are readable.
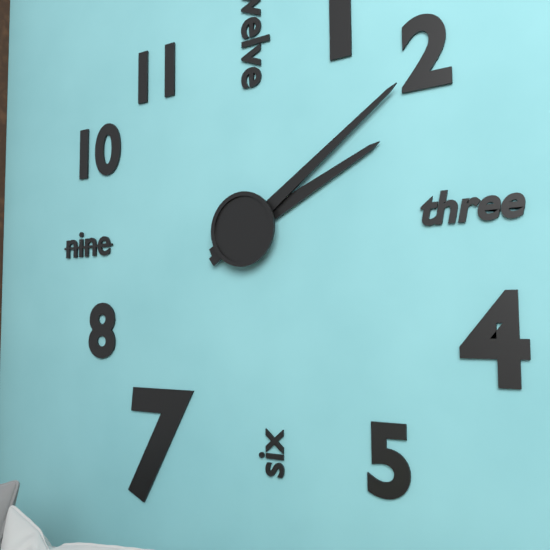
2,09
